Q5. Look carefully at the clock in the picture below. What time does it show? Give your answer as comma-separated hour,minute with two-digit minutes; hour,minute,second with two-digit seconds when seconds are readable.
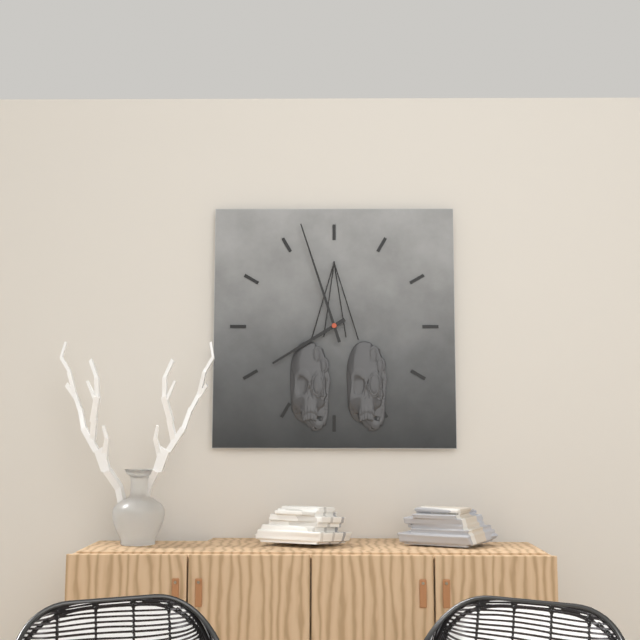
7,57
